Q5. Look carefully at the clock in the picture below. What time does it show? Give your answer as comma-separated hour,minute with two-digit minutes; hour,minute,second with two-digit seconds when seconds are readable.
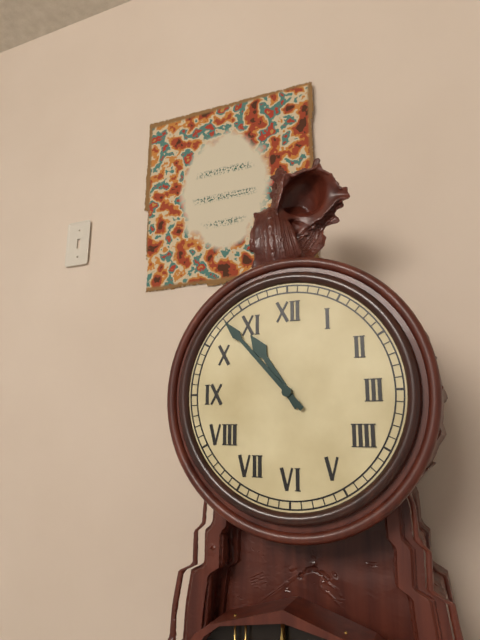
10,53
